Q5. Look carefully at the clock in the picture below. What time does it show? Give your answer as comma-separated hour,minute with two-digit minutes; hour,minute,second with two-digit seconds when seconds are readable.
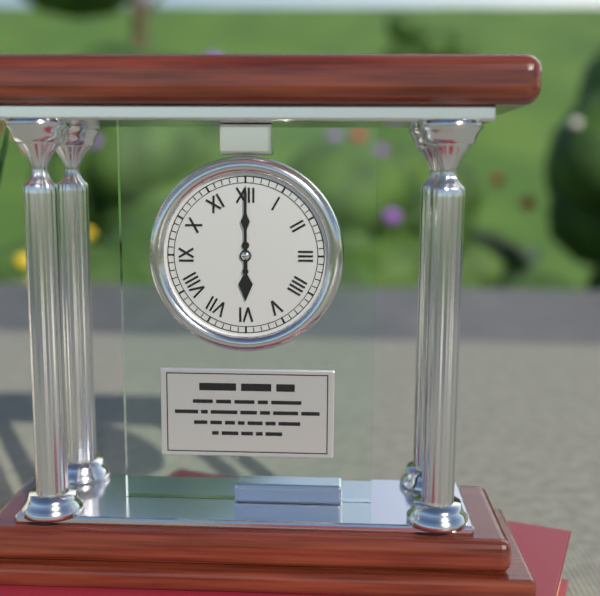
6,00
